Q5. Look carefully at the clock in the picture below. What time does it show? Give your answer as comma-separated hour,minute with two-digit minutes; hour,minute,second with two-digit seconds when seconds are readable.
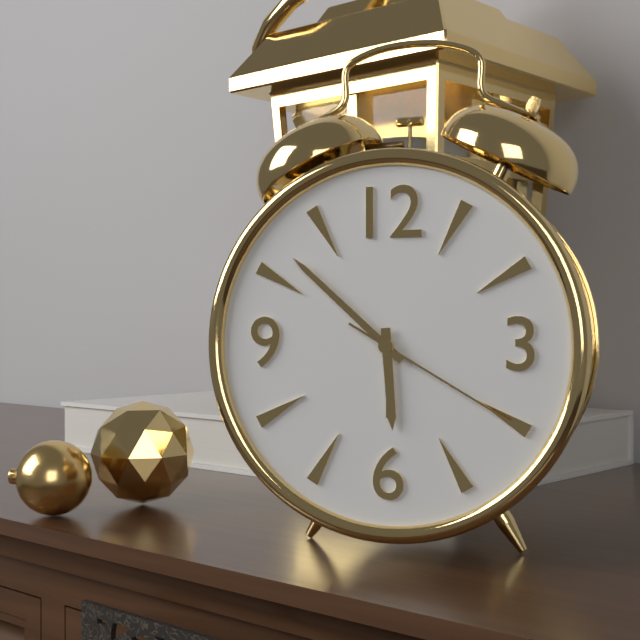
5,52,20
